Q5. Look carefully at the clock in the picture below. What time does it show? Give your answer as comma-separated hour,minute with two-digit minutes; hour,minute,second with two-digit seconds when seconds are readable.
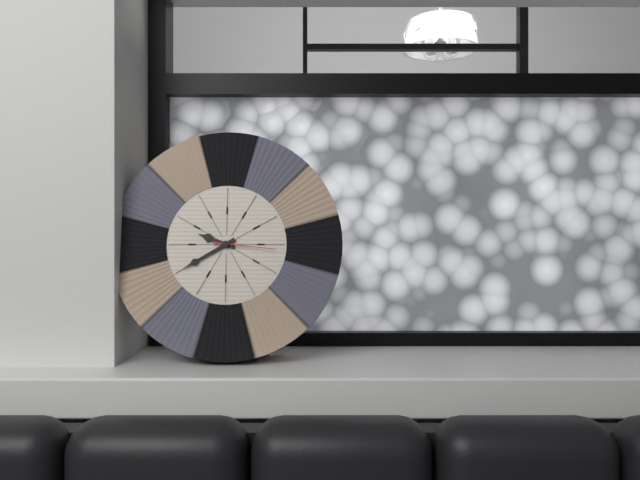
9,40,16
